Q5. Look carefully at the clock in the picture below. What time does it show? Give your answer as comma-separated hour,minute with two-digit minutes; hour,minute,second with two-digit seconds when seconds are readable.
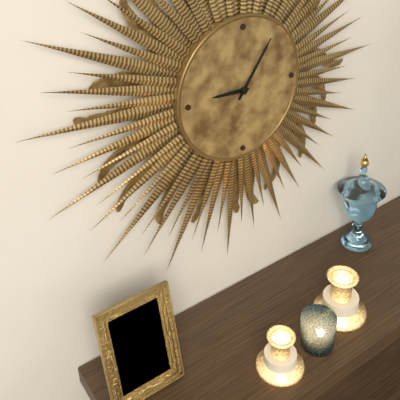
9,06
